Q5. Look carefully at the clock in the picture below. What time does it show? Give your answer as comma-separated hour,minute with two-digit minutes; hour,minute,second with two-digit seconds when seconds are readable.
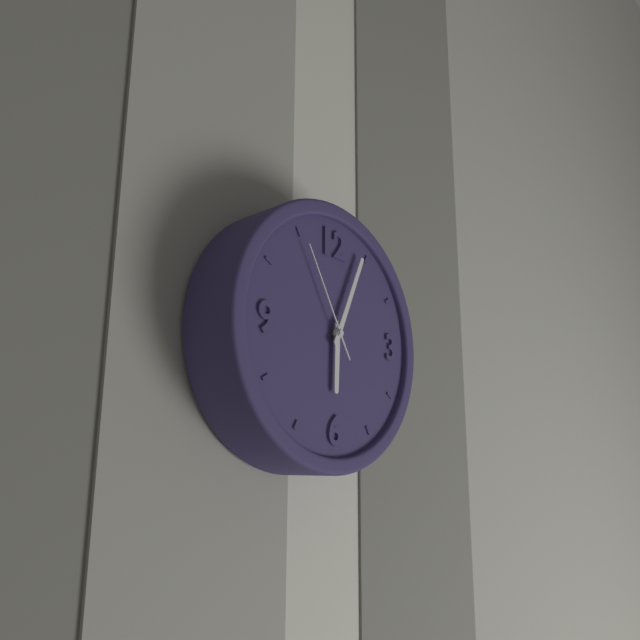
6,04,55
